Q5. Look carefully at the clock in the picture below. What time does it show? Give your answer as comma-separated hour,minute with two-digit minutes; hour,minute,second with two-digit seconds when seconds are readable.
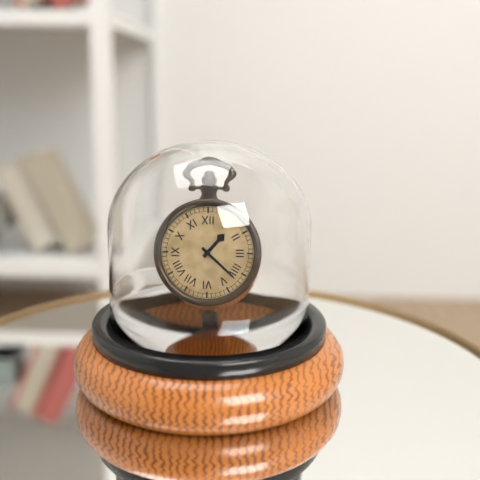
1,22
